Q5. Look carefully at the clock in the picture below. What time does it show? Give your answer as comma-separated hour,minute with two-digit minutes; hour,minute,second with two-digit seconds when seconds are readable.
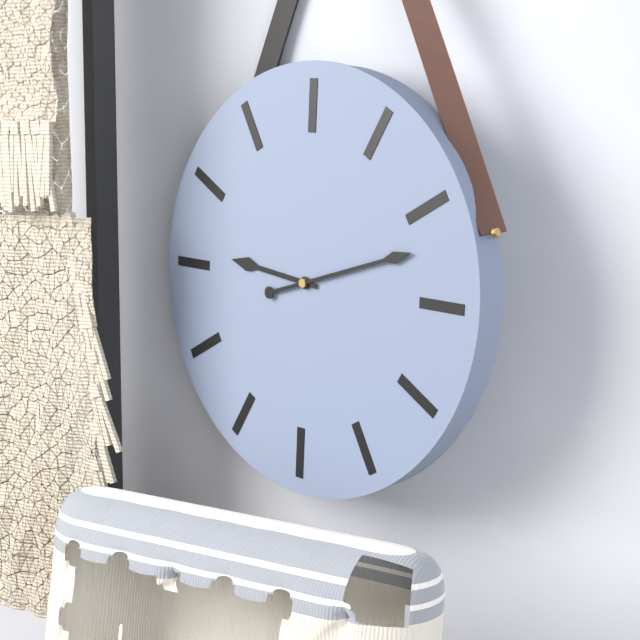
9,12
